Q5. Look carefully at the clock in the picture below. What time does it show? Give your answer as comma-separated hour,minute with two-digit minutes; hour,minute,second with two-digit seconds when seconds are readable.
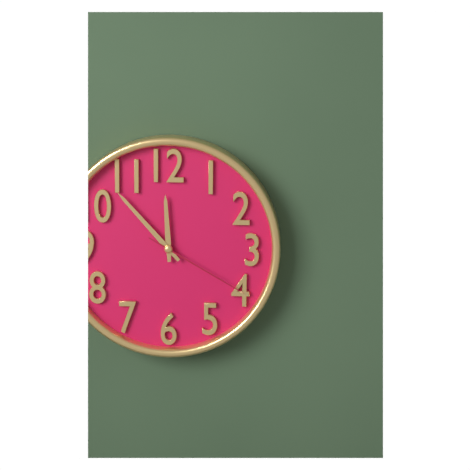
11,53,20
